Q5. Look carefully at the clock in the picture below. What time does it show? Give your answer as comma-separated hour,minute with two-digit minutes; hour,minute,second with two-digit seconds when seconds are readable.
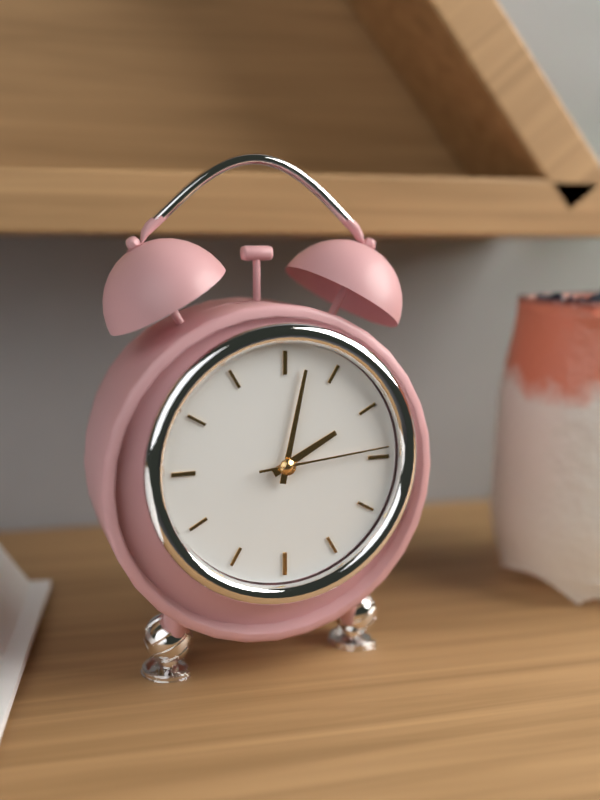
2,02,14
